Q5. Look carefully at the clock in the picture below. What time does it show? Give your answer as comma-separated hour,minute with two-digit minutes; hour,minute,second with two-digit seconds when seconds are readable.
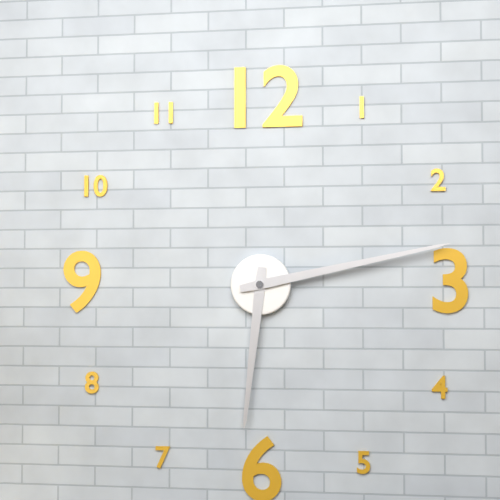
6,13
